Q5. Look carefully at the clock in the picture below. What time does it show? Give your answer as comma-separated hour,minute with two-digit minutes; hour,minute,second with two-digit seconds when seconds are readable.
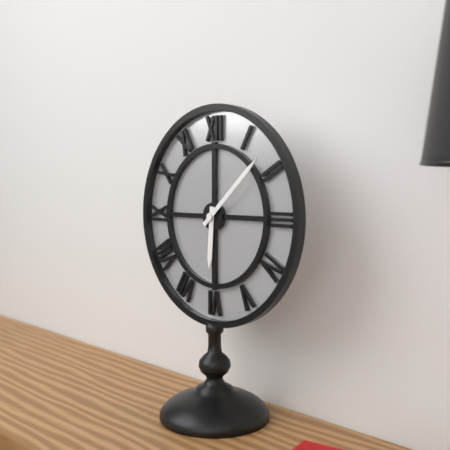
6,08
